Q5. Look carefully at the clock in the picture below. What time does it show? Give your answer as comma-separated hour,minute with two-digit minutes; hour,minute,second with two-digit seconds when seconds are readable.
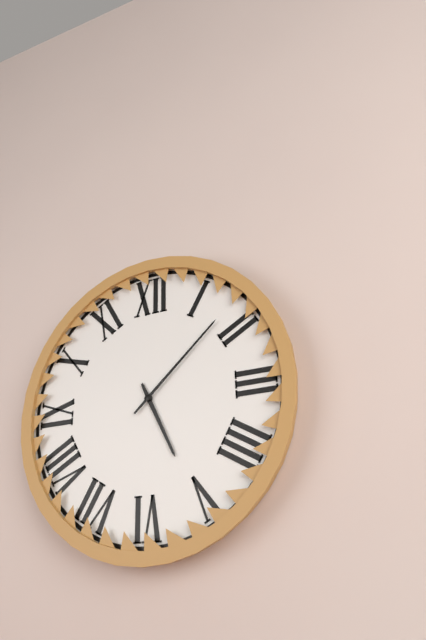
5,08
